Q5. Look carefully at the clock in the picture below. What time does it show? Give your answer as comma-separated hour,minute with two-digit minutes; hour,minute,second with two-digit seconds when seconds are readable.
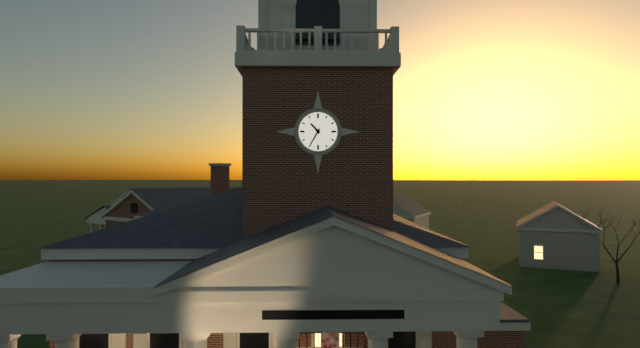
10,35
